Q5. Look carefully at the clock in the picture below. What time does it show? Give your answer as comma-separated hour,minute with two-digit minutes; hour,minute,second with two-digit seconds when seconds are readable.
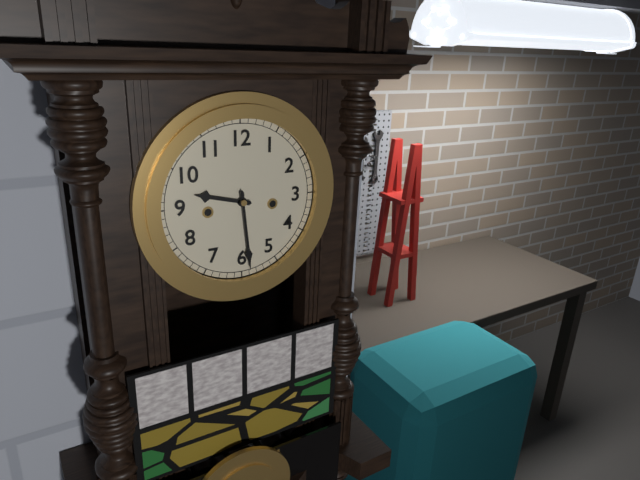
9,29
